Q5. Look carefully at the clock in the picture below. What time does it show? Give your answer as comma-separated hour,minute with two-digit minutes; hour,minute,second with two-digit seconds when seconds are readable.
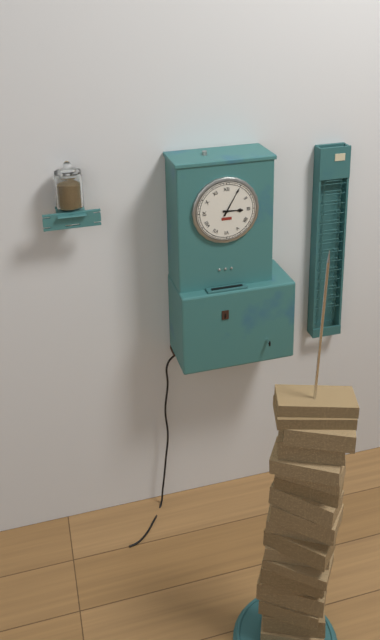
3,05
